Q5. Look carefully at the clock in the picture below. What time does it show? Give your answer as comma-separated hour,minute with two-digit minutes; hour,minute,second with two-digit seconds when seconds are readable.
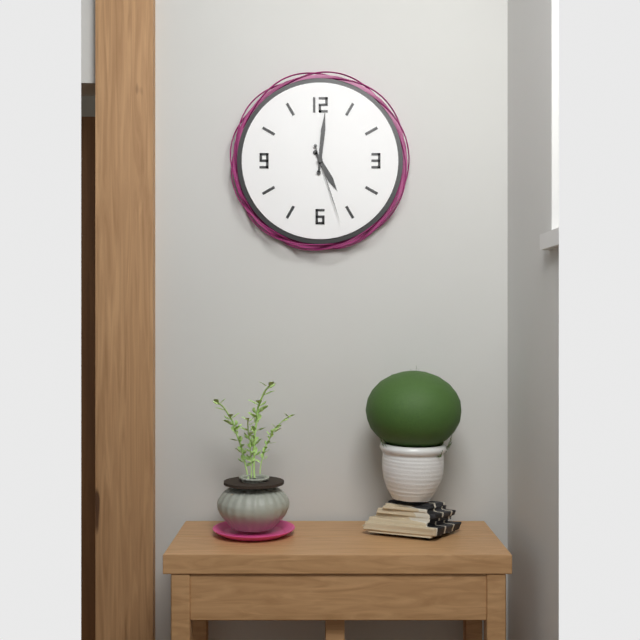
5,01,27
